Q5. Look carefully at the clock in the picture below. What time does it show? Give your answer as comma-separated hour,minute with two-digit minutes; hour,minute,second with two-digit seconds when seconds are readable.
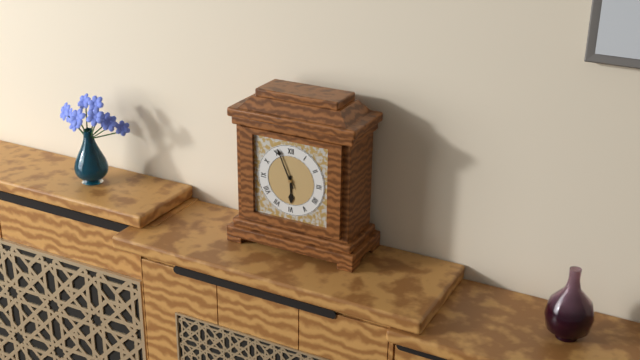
5,56
